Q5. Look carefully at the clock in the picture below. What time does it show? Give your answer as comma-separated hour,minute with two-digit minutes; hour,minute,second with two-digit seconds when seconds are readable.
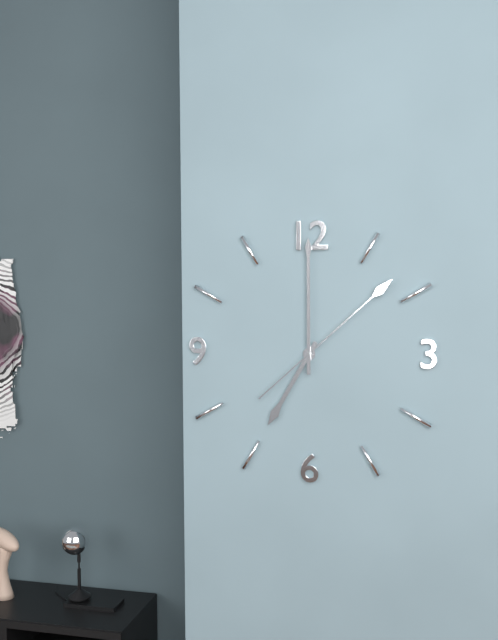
7,00,08
